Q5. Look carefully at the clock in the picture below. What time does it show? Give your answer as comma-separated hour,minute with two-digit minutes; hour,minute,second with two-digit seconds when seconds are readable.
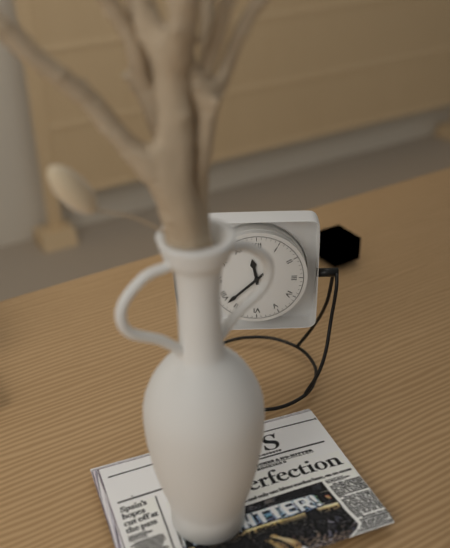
11,38
